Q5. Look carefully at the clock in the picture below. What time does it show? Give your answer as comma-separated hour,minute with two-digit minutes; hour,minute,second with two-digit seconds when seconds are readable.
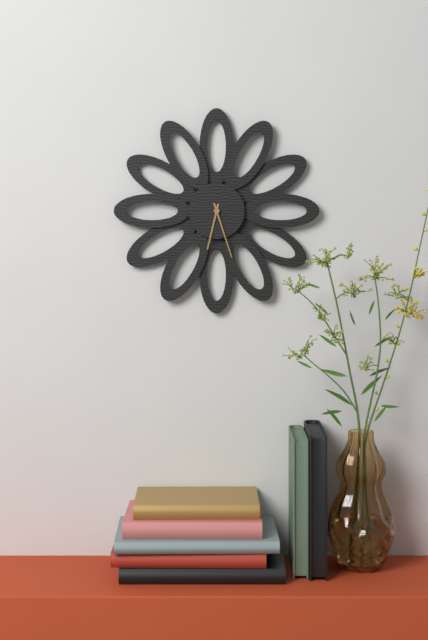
6,27
